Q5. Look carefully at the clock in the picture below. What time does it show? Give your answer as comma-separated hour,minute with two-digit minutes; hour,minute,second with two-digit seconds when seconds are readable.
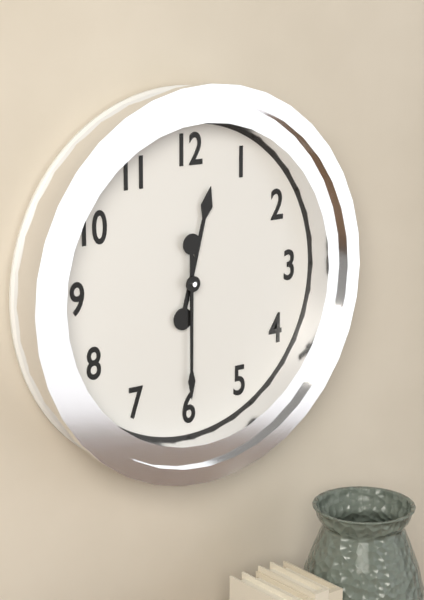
12,30
